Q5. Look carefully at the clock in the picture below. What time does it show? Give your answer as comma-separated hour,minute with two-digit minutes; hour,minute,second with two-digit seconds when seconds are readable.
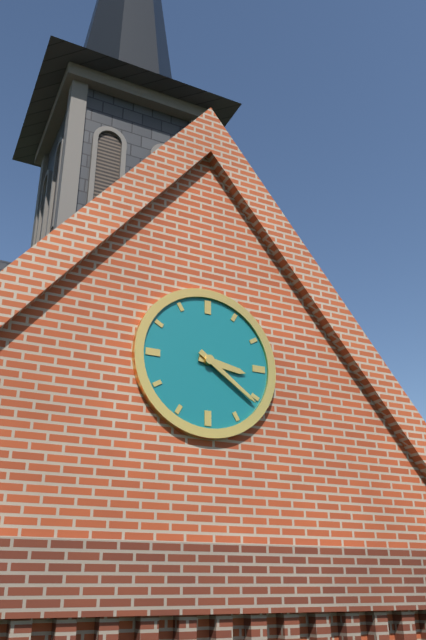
3,21
